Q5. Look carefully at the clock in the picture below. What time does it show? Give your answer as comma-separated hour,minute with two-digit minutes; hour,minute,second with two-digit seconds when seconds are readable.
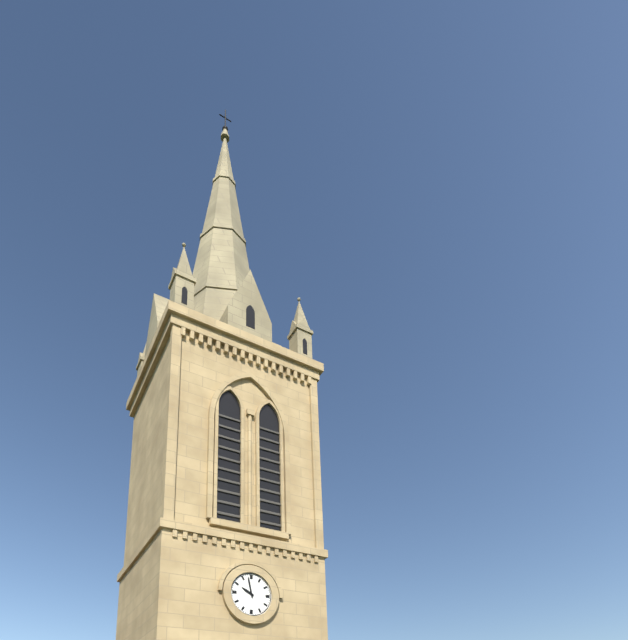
9,58
